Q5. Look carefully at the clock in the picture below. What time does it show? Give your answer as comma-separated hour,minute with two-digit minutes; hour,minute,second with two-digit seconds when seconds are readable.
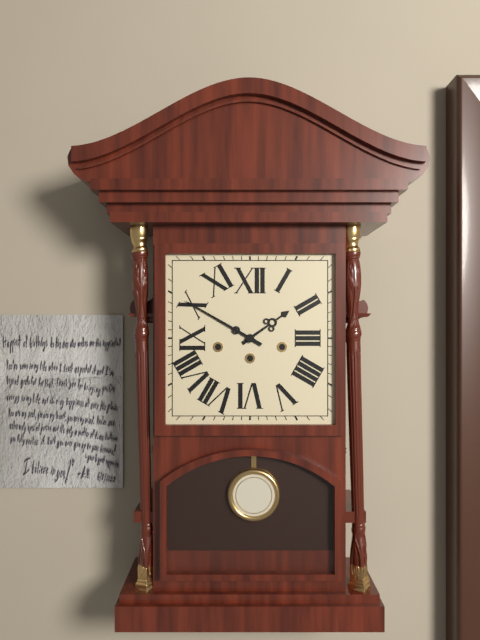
1,50
